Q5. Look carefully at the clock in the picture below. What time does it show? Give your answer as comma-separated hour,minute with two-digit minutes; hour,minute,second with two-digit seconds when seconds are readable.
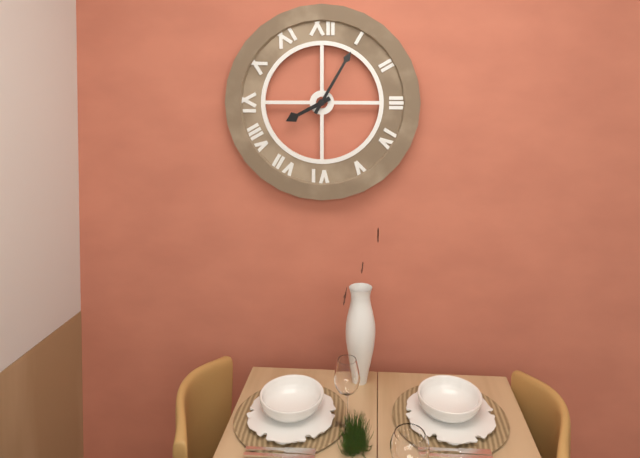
8,05
